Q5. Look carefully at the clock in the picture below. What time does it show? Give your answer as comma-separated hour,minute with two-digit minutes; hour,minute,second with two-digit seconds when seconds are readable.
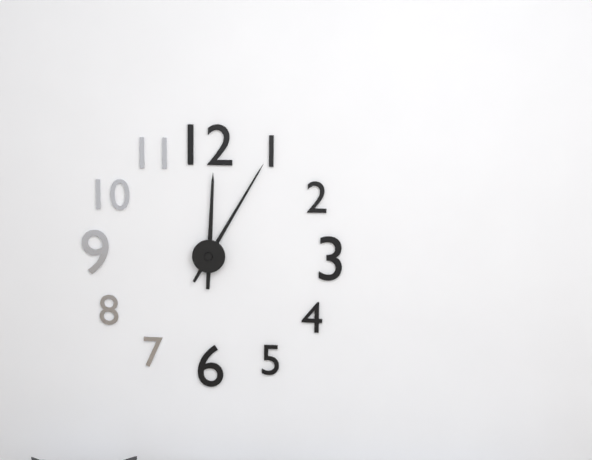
12,05
